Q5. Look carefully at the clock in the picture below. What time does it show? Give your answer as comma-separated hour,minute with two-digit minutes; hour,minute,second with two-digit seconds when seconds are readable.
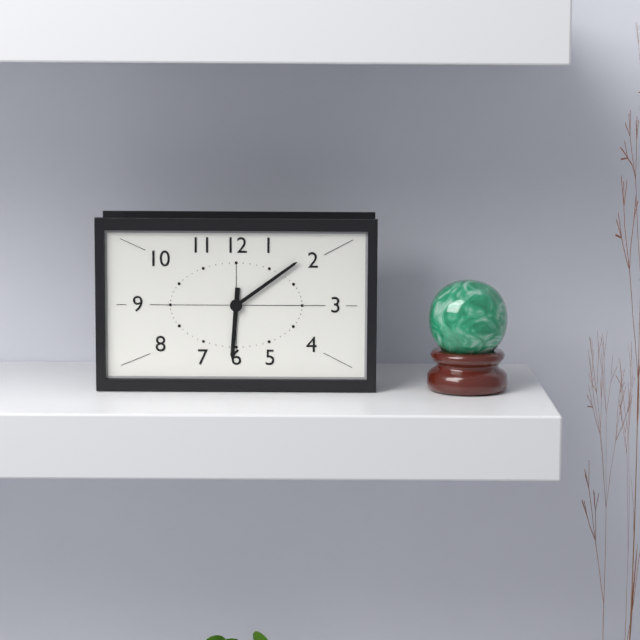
6,09
